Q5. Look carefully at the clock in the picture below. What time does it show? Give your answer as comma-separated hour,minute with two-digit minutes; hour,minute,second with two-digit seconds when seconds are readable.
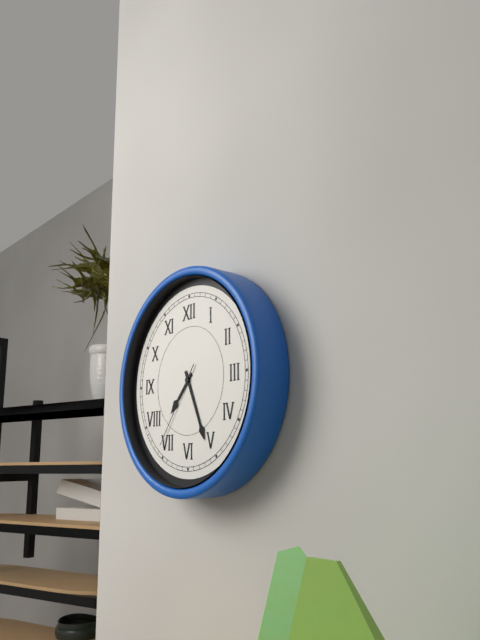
7,26,36
